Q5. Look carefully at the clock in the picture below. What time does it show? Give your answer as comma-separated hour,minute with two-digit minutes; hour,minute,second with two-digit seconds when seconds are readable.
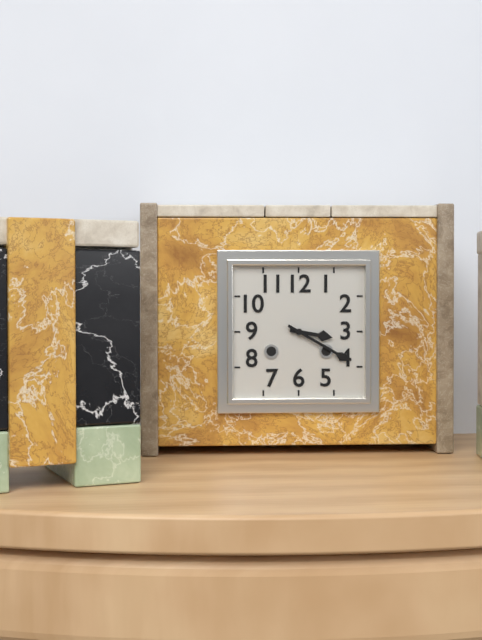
3,20
